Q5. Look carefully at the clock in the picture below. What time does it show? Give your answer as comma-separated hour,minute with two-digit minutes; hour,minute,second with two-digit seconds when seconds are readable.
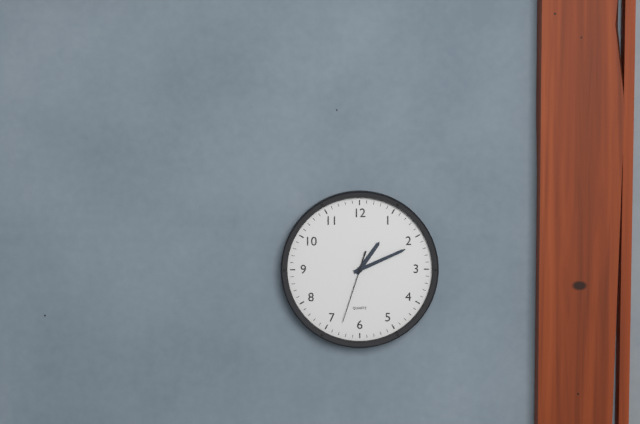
1,11,33
